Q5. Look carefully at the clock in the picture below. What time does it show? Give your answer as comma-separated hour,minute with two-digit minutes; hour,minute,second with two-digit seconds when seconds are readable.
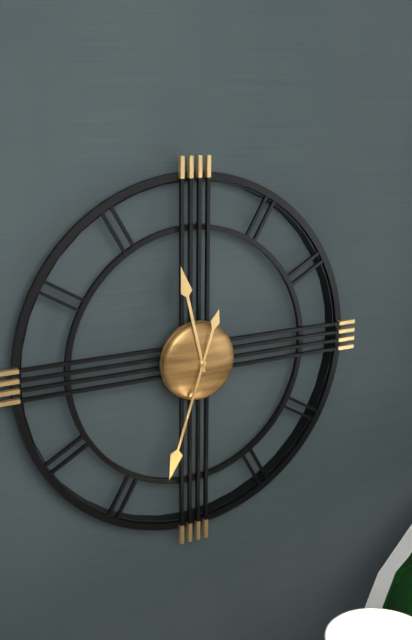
11,33
